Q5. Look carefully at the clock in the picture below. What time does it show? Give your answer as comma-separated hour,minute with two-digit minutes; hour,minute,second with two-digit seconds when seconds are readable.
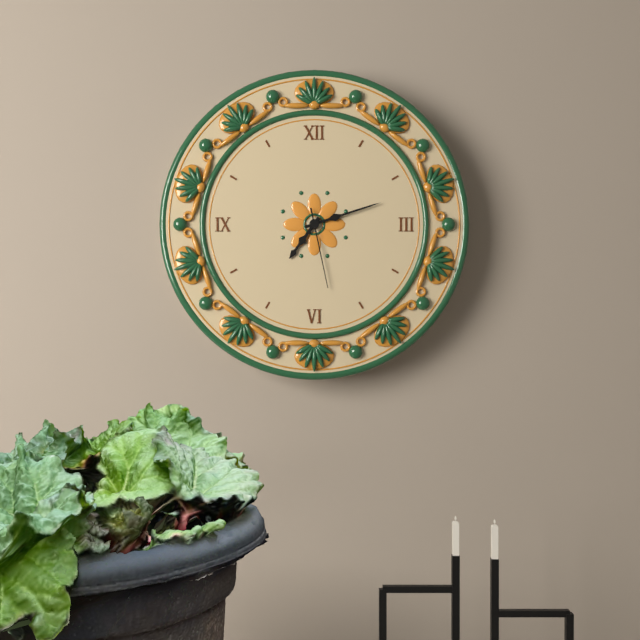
7,12,28
